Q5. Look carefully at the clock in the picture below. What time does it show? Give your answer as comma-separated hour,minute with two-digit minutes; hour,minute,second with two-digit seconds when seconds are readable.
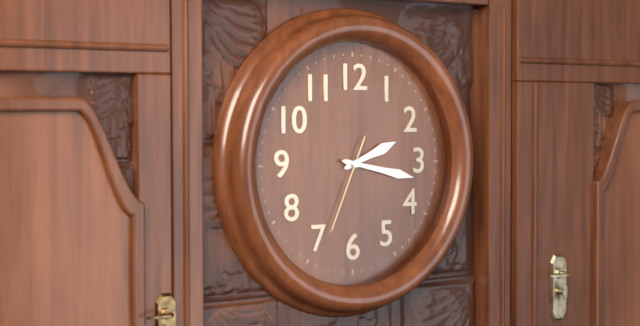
2,17,34
